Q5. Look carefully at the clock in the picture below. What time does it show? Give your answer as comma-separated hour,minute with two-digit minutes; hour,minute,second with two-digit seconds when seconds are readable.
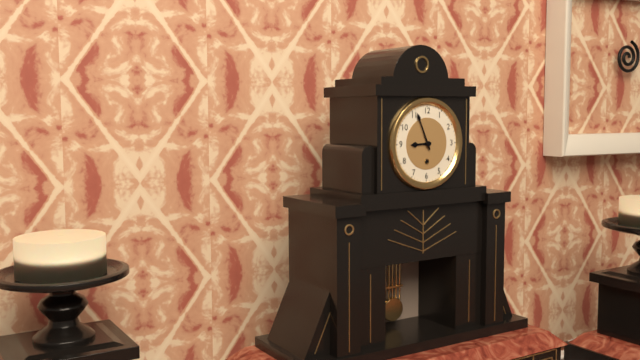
8,56
